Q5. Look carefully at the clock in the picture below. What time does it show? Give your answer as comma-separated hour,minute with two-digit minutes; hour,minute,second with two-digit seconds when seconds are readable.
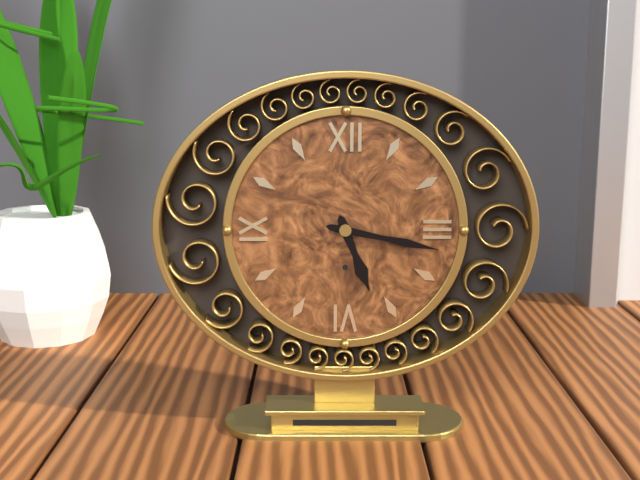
5,17
